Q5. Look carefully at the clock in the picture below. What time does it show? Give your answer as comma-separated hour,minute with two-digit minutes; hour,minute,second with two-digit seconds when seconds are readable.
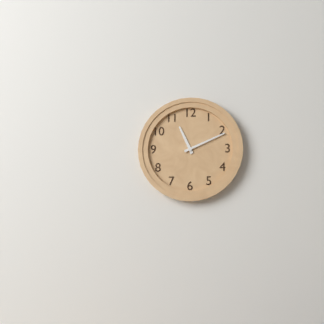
11,11
